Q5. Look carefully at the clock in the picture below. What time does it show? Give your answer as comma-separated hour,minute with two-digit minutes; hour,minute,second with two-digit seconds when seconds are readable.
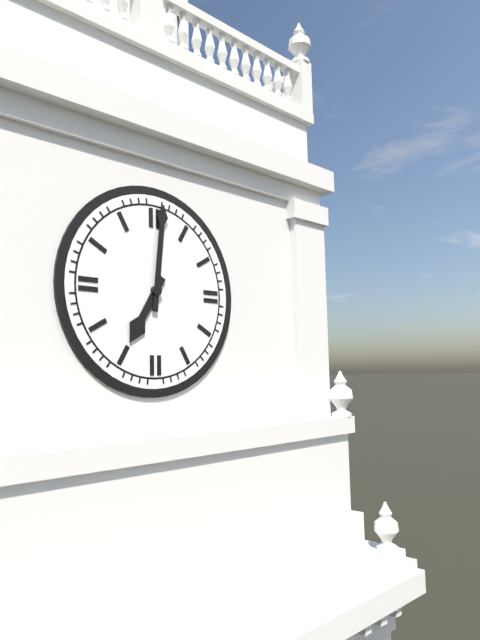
7,01
